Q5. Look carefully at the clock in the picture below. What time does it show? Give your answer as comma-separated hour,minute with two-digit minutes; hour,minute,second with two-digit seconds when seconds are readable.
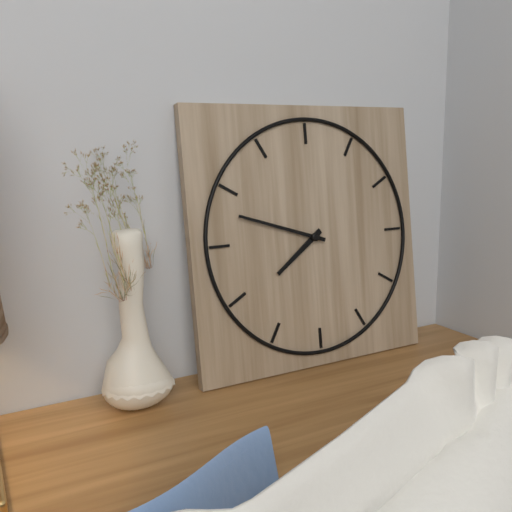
7,48
